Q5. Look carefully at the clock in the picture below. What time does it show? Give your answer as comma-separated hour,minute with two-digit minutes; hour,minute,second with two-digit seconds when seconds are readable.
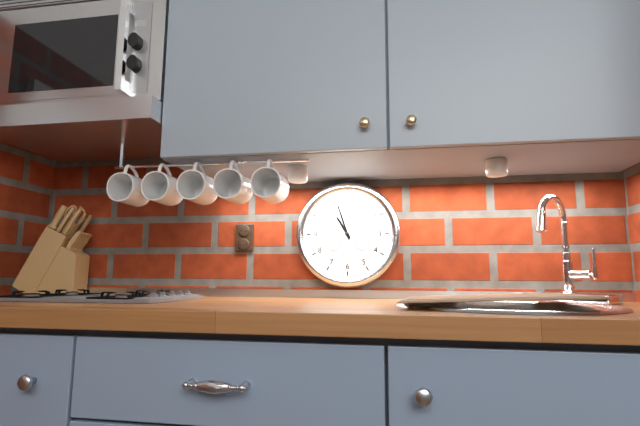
10,57
